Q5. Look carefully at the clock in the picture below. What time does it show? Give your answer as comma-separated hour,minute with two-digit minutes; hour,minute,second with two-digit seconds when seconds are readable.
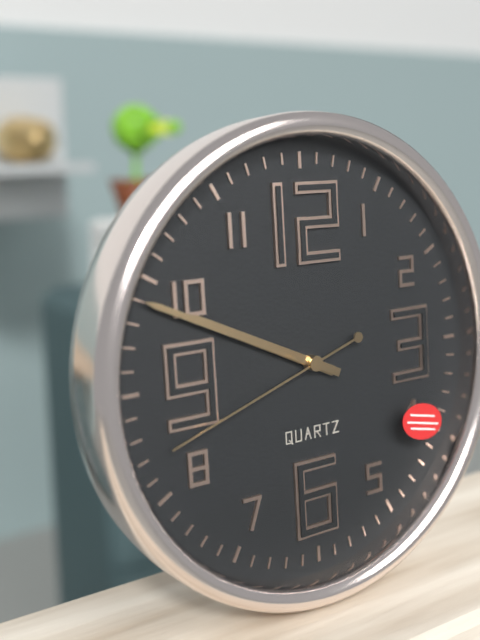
9,49,42
